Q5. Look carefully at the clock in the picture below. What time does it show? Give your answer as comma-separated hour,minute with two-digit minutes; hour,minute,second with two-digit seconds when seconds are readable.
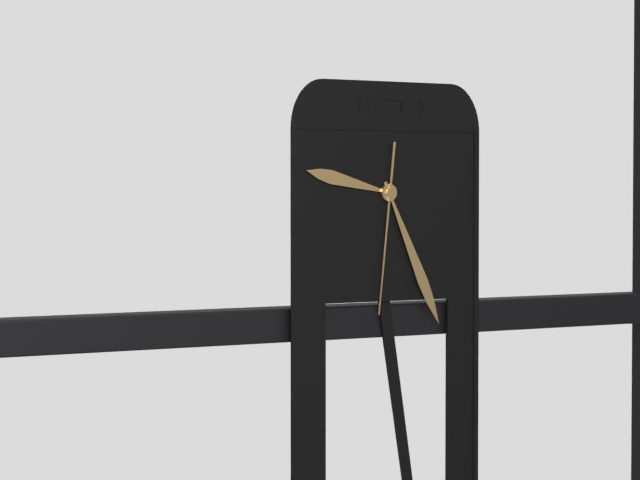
9,26,31
